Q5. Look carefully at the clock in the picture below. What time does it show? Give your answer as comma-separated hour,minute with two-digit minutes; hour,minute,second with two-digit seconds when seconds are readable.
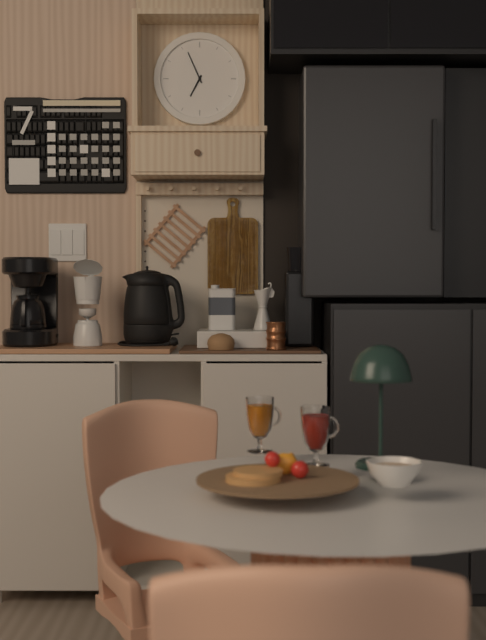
6,56
